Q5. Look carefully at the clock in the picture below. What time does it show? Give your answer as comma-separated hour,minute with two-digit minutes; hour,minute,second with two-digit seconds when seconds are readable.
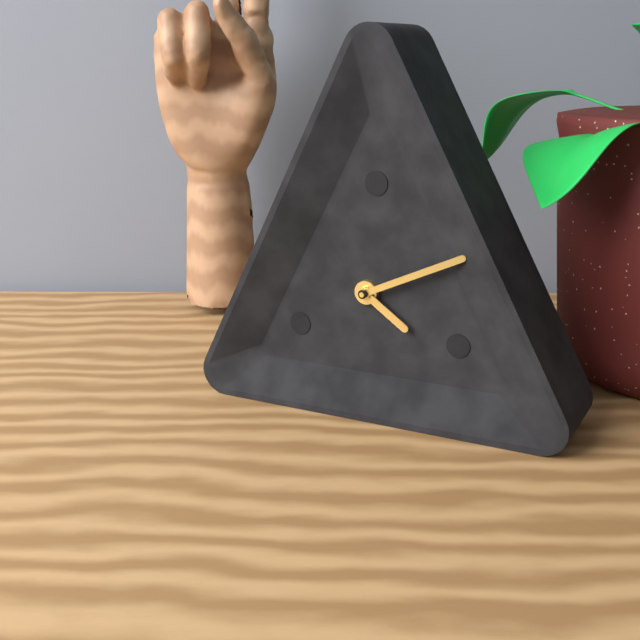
4,11
